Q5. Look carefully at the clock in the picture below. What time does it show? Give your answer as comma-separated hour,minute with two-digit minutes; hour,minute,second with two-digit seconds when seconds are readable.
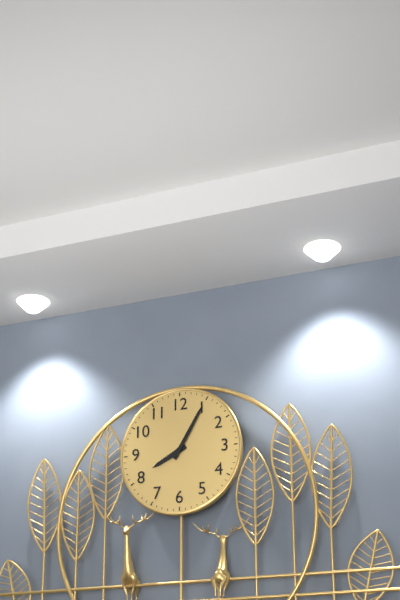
8,05
